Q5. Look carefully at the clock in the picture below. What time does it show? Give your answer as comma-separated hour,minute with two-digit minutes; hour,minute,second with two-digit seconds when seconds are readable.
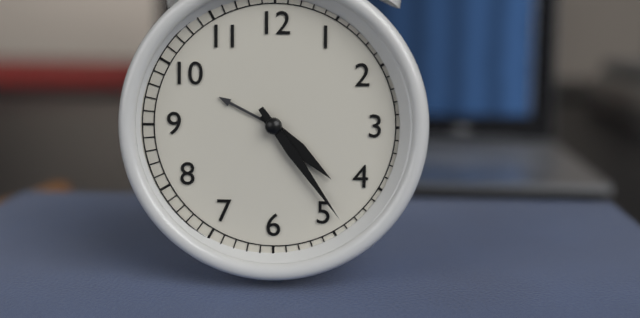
4,24
